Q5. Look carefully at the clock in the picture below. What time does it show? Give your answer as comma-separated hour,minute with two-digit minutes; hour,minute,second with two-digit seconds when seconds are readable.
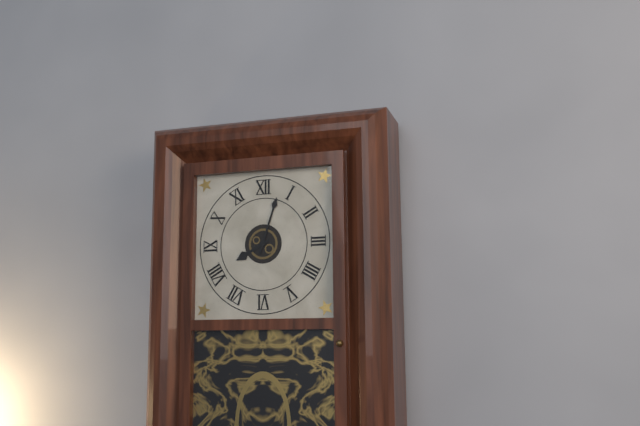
8,03
